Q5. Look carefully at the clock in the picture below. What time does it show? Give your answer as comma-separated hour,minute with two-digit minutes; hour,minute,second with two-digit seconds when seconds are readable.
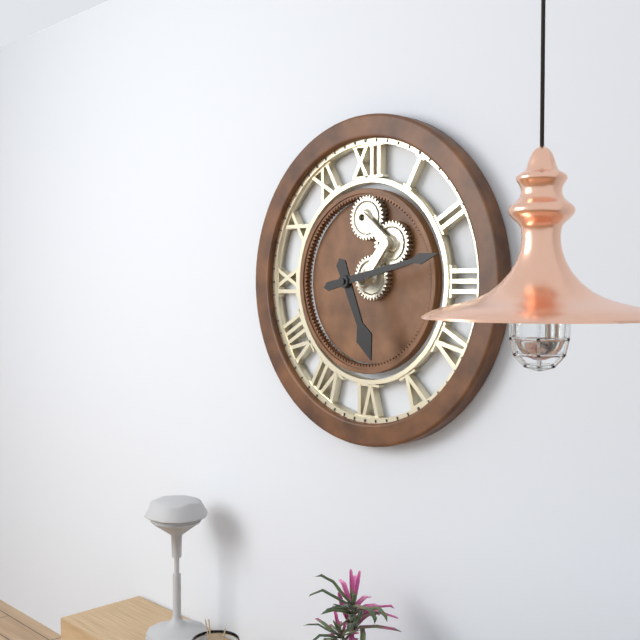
5,13
